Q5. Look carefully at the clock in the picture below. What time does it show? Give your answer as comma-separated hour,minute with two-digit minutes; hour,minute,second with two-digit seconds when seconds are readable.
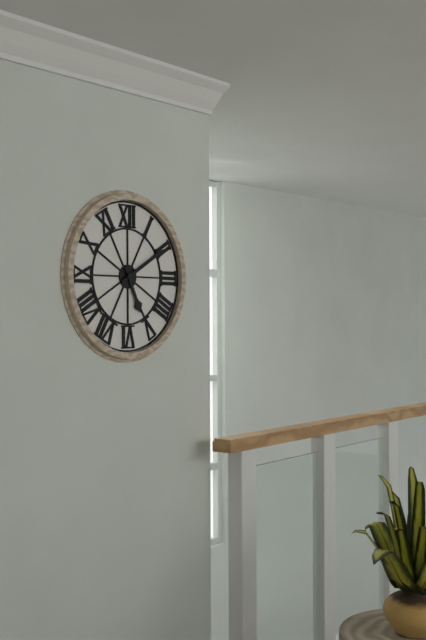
5,10
